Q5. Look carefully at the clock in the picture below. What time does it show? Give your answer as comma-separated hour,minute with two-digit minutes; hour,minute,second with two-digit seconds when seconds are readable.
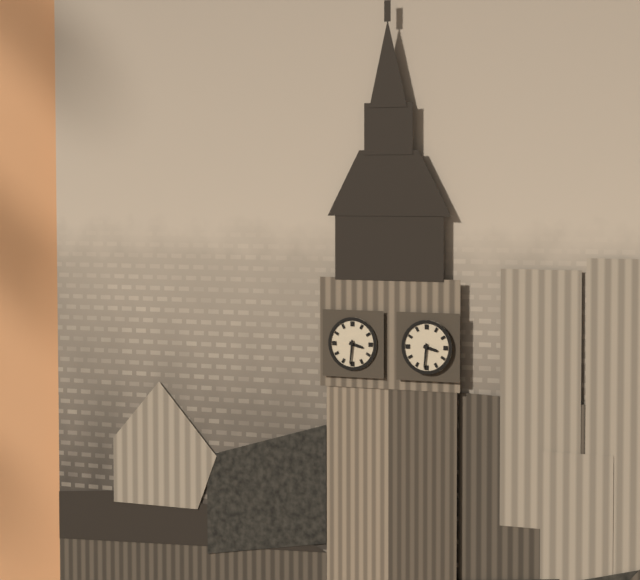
3,31
